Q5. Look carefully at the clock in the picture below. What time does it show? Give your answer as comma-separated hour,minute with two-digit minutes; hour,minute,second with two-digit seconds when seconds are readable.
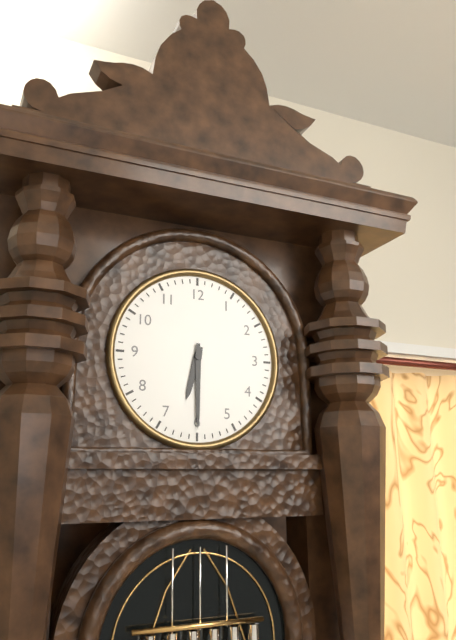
6,30
